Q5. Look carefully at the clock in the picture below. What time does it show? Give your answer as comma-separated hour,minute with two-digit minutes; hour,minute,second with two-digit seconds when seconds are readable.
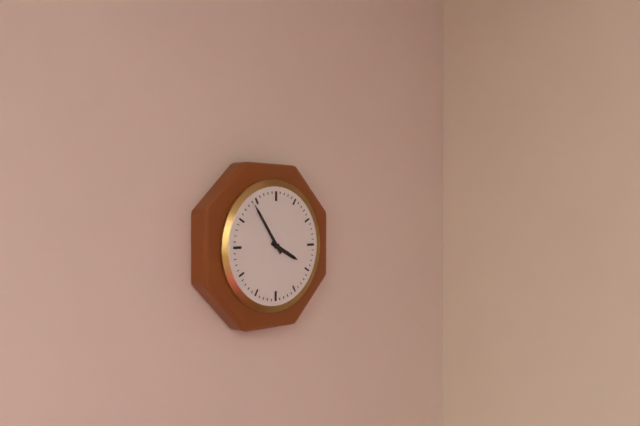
3,54
